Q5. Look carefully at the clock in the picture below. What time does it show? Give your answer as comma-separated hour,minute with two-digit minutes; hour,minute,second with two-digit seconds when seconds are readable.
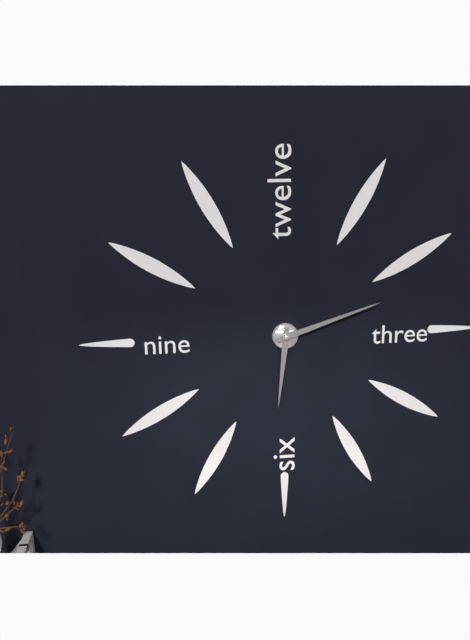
6,12
